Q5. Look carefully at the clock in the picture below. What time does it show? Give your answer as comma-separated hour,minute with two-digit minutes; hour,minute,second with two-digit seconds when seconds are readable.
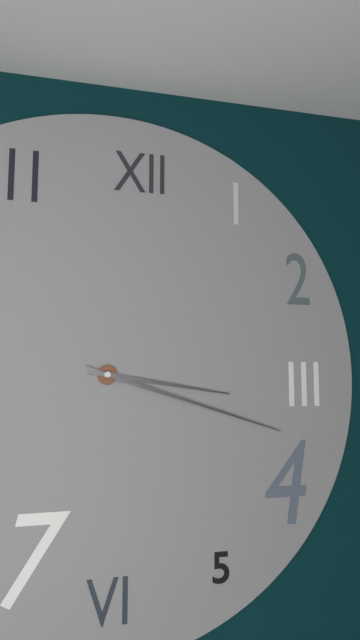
3,18
